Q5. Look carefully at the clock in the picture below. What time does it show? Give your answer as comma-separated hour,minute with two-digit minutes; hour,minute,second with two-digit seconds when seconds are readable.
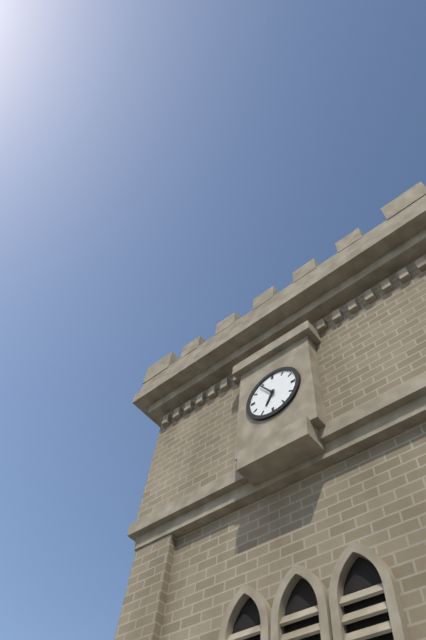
6,54
